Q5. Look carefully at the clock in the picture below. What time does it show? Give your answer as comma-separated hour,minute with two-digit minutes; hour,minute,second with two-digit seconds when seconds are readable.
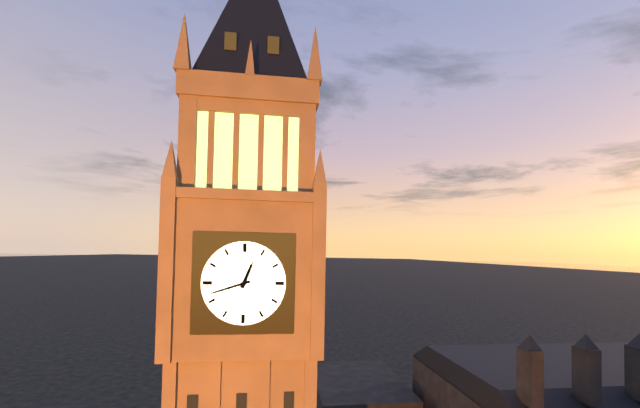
12,42
